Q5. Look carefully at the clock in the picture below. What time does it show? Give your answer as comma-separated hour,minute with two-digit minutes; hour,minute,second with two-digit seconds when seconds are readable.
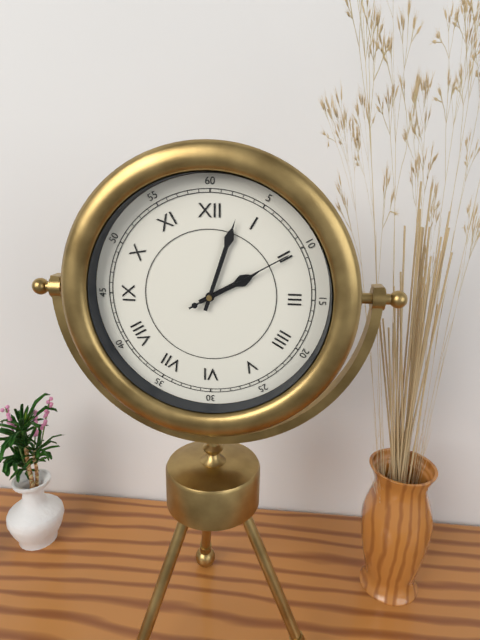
2,03,10
